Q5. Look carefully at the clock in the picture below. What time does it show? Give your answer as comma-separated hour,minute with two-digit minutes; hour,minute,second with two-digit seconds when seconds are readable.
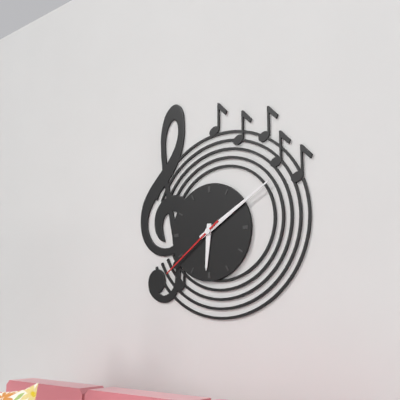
6,10,39
